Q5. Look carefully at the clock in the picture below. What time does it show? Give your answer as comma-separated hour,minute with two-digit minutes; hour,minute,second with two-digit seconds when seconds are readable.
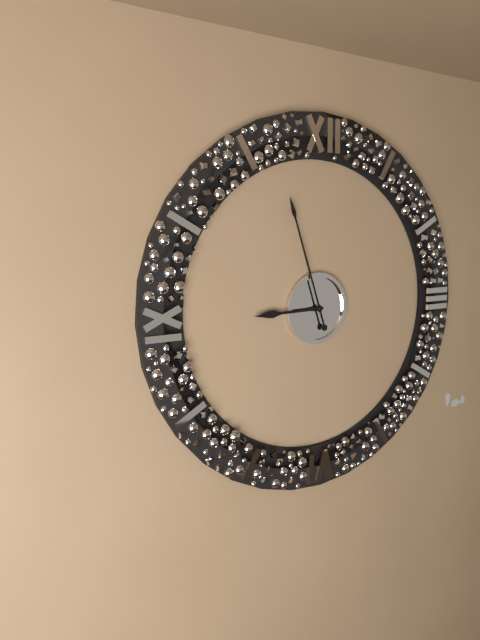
8,57
